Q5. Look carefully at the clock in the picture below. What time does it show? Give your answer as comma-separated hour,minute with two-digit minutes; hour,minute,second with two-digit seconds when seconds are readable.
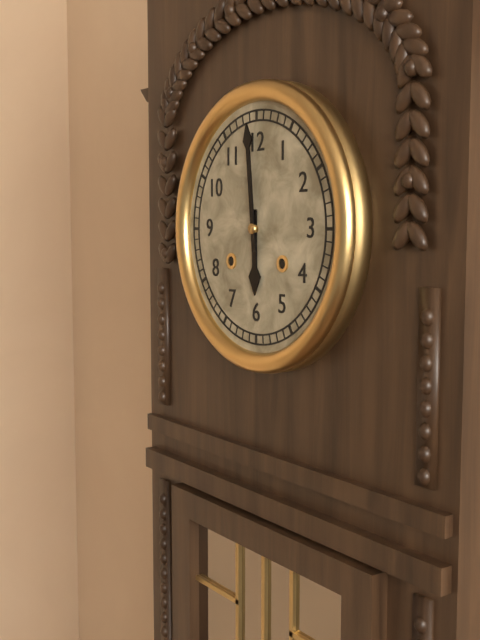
5,59
